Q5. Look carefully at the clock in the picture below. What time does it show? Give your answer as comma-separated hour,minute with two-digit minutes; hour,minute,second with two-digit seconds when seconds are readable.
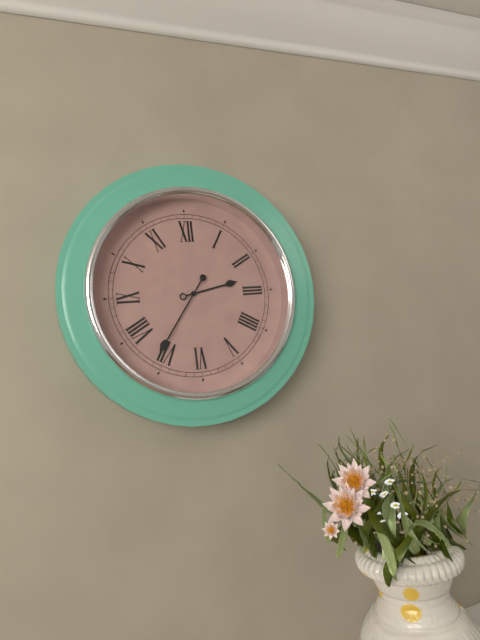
2,36
